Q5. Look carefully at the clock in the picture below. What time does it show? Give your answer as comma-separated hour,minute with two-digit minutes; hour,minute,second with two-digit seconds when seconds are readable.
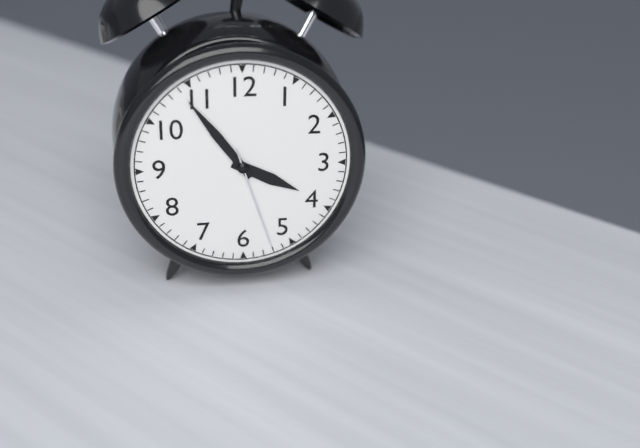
3,54,27
